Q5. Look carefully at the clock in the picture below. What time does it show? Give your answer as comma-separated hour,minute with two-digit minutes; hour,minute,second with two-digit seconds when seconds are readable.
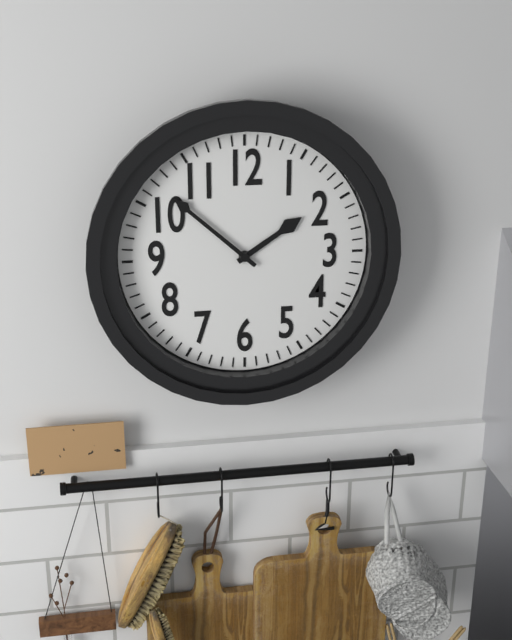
1,52
